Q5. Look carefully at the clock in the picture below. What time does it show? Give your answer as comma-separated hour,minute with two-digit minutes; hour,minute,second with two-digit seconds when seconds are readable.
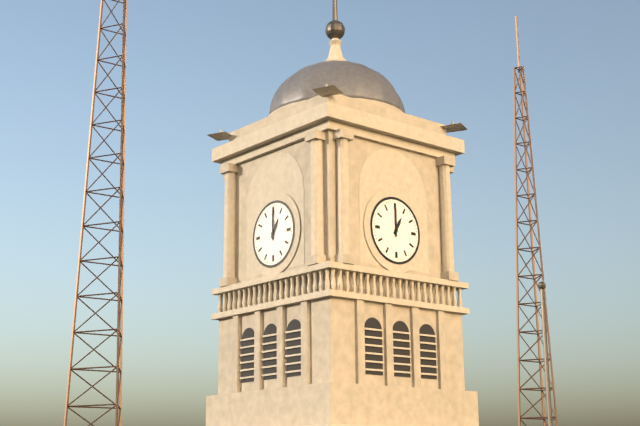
1,00
